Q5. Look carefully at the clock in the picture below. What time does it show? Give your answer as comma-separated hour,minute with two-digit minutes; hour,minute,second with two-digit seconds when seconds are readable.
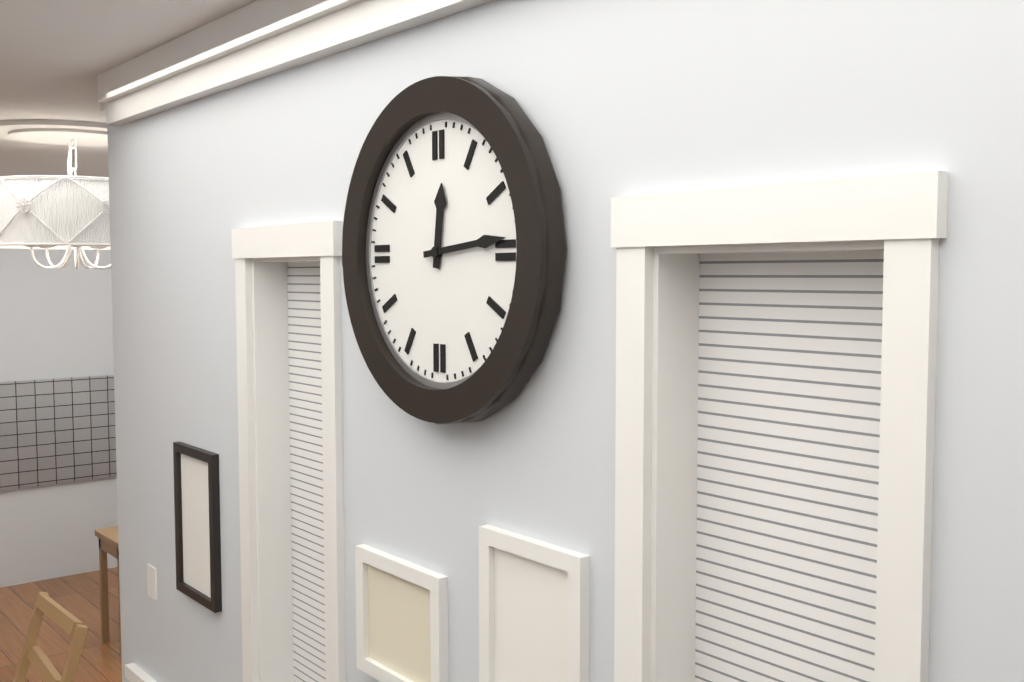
12,14
